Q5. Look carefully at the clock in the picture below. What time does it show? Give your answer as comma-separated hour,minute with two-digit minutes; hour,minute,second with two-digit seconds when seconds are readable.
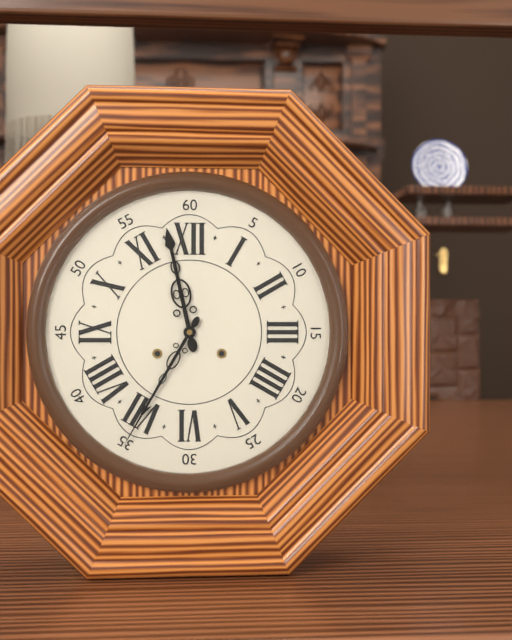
11,35
